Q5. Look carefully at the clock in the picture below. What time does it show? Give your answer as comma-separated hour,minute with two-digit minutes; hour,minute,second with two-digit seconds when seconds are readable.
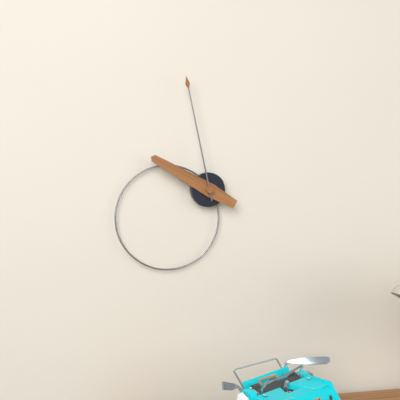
9,58
